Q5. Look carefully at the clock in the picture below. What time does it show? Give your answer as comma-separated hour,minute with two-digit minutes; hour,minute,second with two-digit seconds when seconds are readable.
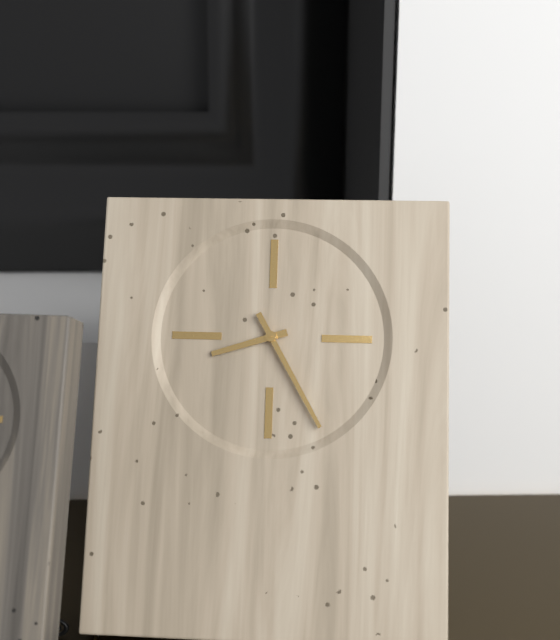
8,25
